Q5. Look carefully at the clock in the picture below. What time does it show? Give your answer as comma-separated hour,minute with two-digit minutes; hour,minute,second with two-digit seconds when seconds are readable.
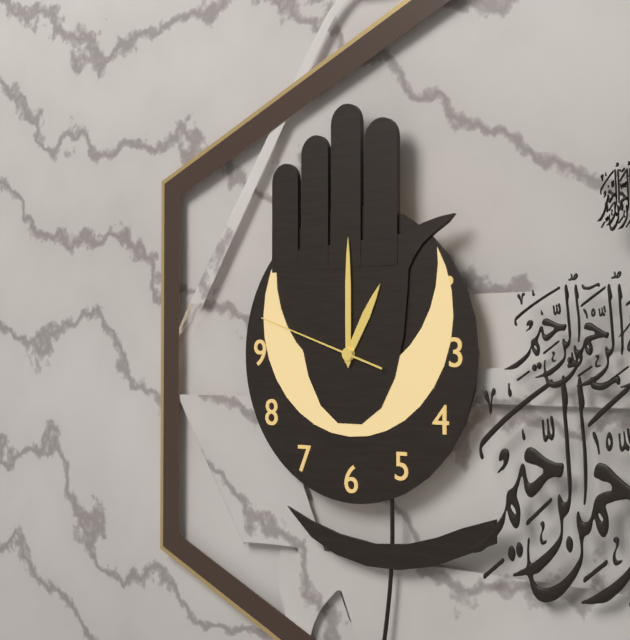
1,00,48
